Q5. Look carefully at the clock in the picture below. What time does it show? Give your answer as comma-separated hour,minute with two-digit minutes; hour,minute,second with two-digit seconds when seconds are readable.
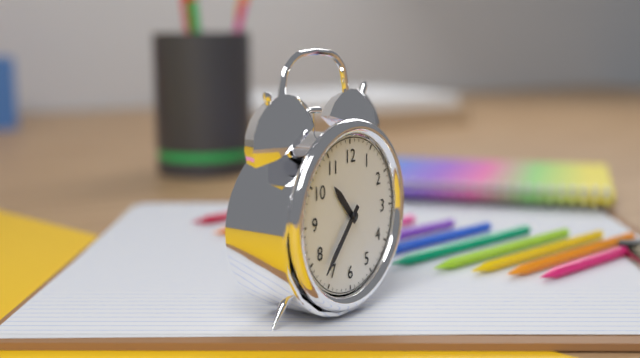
10,37
